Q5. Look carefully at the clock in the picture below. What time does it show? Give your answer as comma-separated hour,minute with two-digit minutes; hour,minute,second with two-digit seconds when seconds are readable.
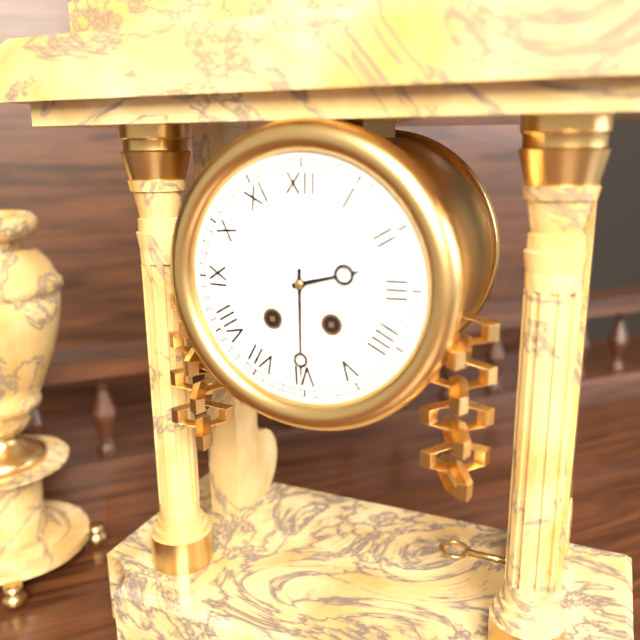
2,30
